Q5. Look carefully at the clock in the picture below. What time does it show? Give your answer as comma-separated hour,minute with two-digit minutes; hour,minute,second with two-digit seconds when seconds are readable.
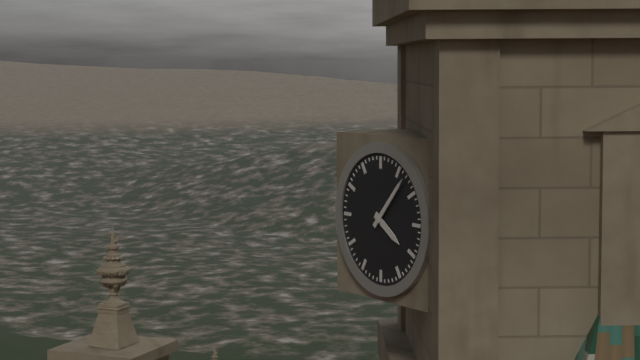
4,07
